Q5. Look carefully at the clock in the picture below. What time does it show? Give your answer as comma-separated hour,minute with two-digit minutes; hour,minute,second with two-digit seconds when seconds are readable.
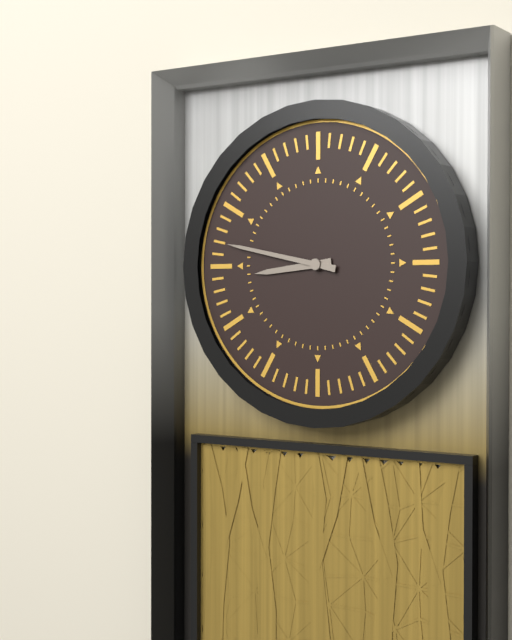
8,47
